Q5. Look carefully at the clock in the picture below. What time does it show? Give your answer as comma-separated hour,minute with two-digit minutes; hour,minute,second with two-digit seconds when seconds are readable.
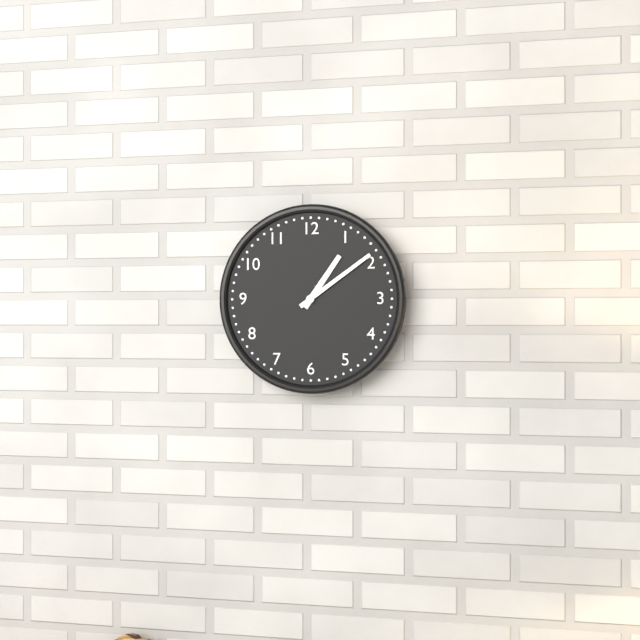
1,09
